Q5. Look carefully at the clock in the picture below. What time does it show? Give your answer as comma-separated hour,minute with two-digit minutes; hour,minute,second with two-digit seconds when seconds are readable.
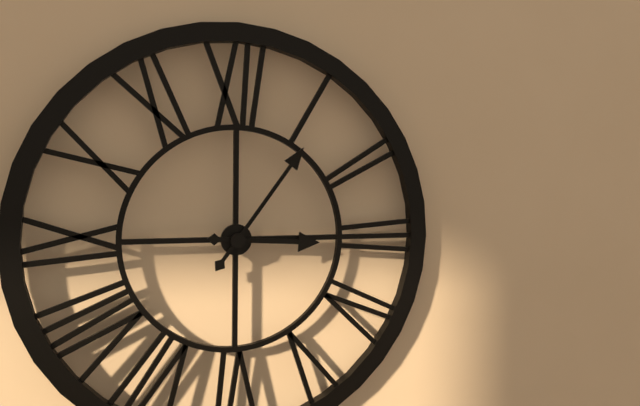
3,06
